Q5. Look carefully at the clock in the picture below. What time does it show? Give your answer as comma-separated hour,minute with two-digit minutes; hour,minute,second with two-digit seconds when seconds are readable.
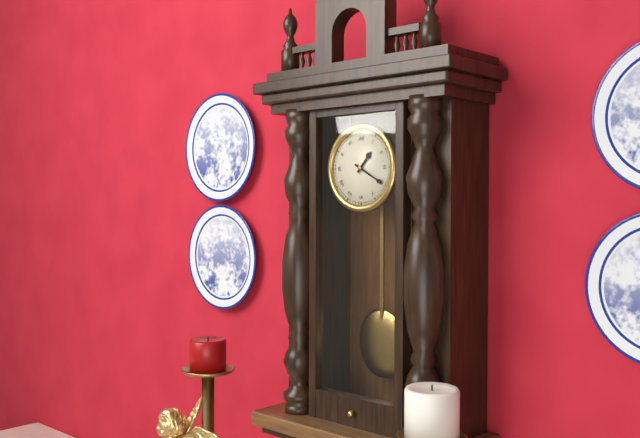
1,20
